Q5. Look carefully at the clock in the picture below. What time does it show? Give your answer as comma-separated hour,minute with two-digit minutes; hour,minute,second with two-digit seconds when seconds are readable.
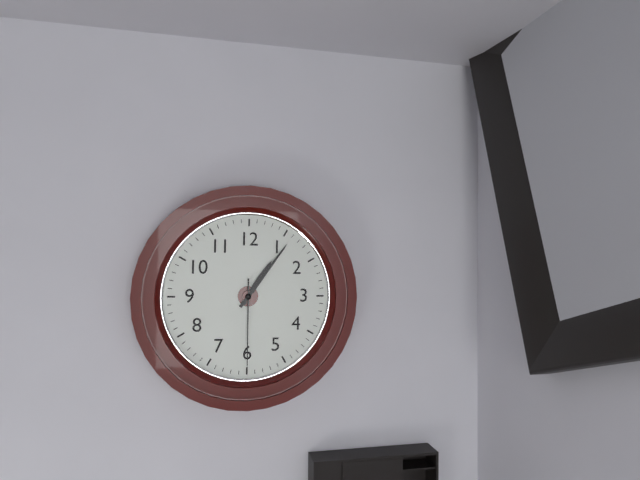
1,06,30
